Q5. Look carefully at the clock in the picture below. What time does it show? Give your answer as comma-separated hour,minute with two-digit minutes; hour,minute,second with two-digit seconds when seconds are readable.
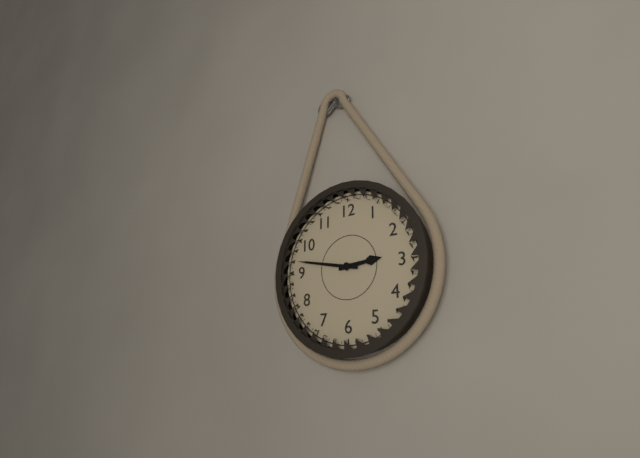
2,47
